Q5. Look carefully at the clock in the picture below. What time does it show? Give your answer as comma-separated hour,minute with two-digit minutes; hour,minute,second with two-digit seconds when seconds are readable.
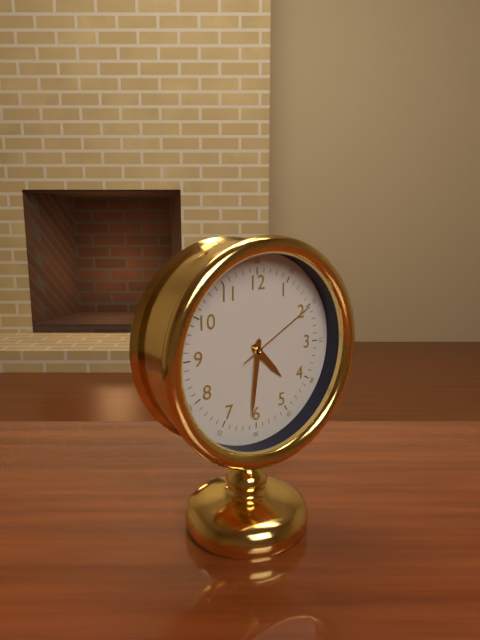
4,31,10
